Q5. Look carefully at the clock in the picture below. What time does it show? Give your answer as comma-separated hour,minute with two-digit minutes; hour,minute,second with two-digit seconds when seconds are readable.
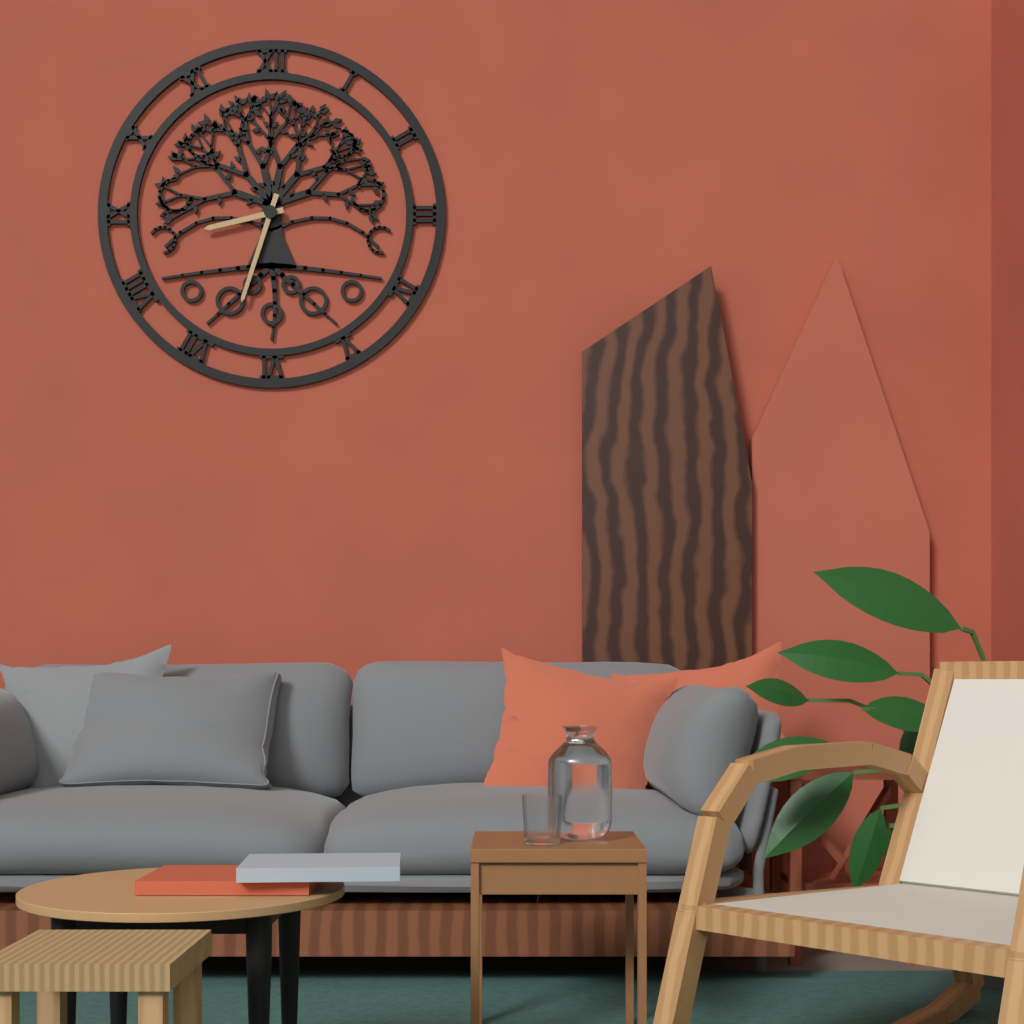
8,33
